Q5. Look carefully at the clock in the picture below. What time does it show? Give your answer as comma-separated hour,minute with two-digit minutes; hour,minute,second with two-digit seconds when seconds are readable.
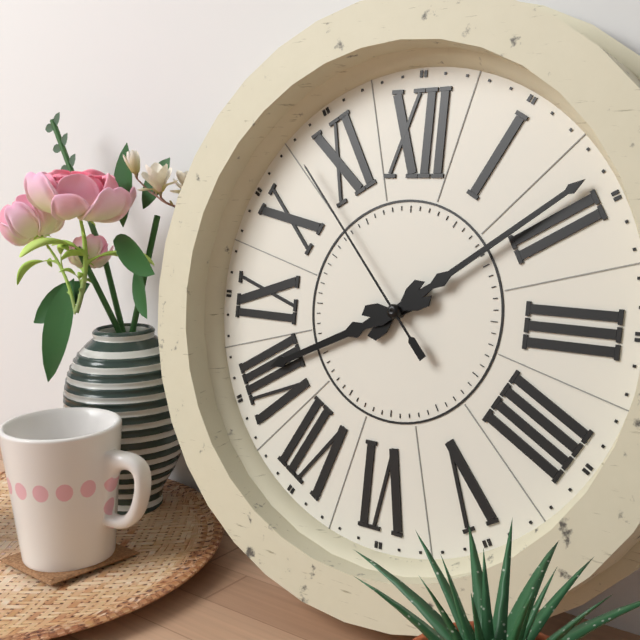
8,09,53
